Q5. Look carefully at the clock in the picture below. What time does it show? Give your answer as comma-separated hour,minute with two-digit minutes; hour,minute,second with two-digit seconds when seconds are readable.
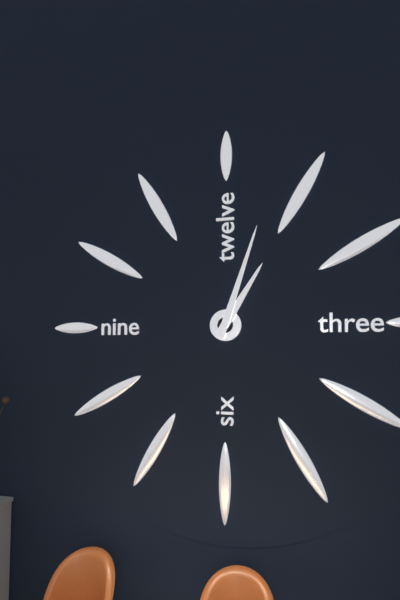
1,03
